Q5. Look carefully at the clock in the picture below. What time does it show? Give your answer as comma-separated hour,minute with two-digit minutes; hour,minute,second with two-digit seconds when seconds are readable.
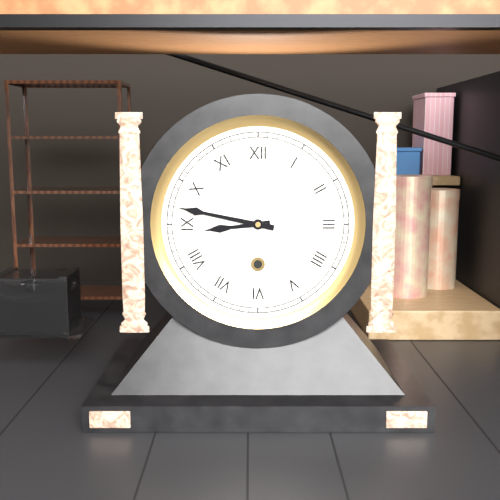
8,47
